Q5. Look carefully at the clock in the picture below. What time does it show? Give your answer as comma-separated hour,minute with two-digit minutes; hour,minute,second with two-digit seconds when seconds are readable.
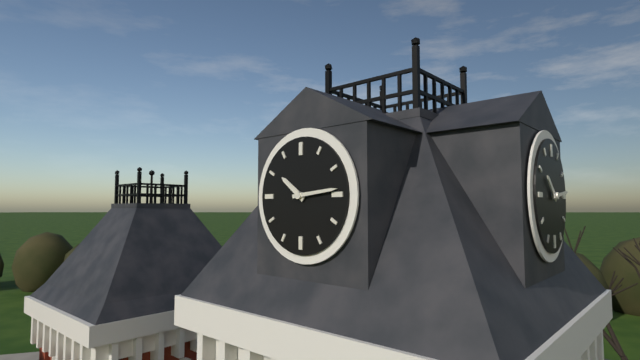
10,14
